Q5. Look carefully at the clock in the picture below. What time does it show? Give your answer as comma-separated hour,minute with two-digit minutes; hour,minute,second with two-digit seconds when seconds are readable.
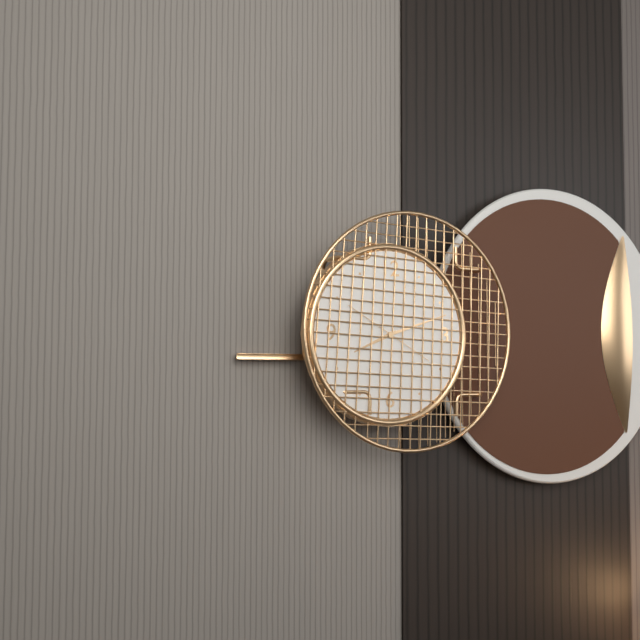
8,12,50
